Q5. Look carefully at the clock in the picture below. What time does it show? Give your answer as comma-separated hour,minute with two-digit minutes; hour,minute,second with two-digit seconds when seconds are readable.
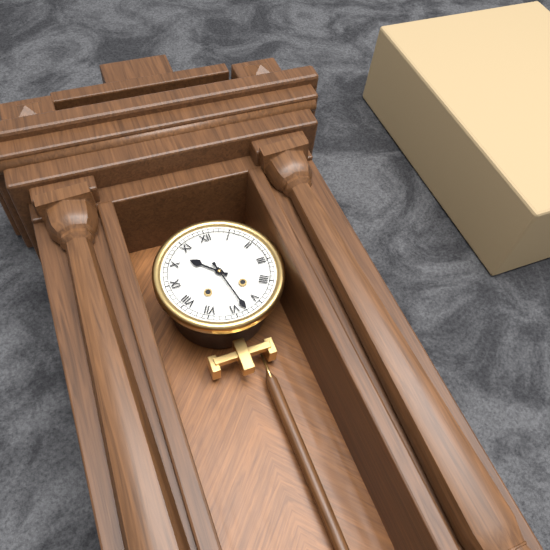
10,28
